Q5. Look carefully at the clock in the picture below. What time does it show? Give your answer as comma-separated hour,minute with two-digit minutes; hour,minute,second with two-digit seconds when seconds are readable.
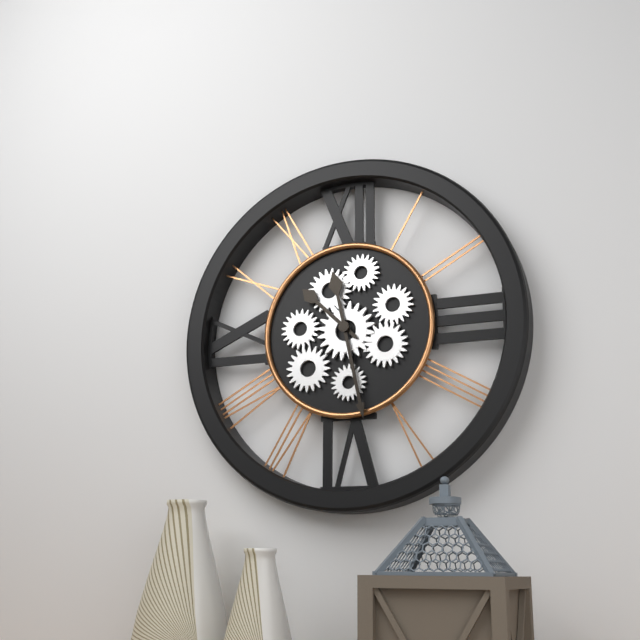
10,28
